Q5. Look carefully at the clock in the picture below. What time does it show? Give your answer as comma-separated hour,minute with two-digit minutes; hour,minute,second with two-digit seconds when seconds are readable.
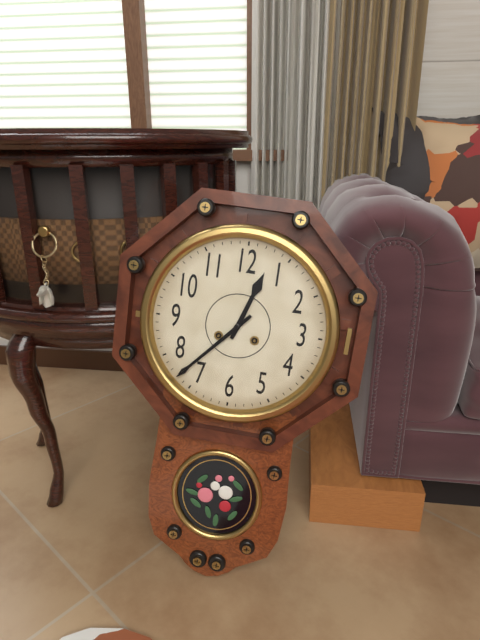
12,37
